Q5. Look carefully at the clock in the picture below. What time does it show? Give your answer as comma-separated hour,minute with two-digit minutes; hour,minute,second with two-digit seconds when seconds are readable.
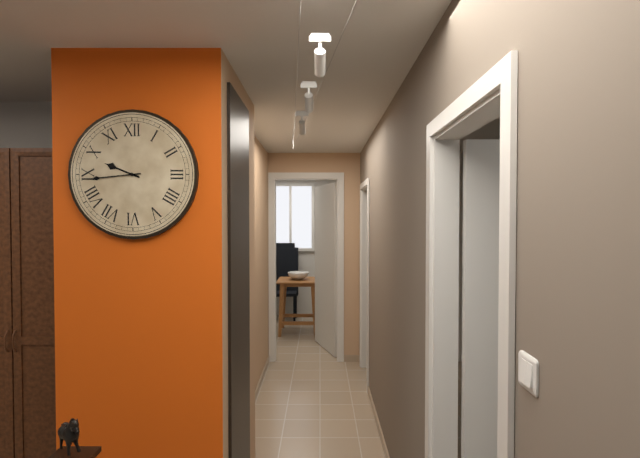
9,44
